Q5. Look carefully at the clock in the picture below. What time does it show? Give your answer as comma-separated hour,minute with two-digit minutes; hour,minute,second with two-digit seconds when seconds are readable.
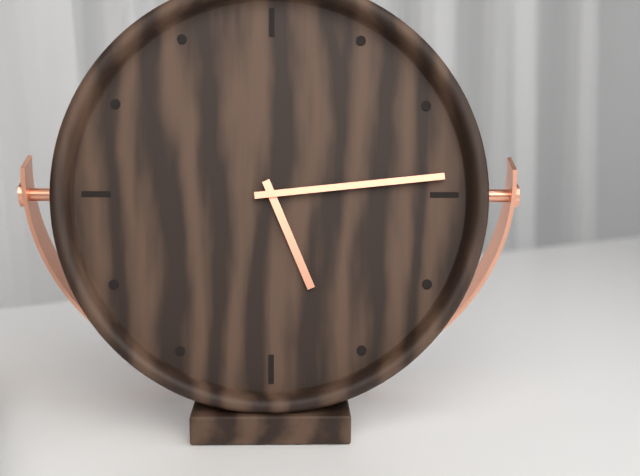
5,14
